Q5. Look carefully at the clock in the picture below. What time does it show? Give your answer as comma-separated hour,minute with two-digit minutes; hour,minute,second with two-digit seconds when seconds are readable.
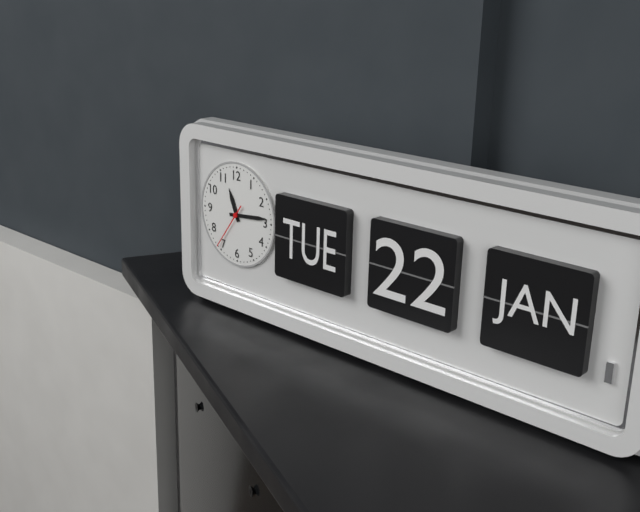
11,14
